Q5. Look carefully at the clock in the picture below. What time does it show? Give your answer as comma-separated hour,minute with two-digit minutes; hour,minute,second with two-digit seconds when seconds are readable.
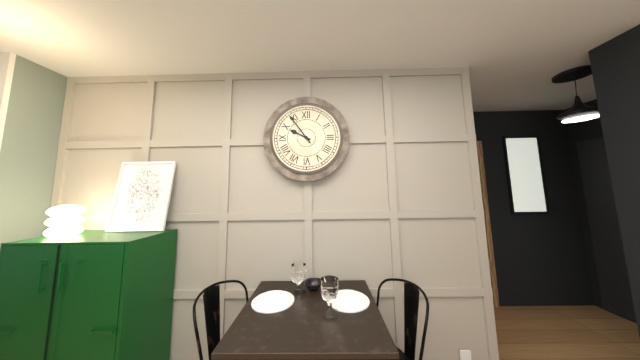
9,54
